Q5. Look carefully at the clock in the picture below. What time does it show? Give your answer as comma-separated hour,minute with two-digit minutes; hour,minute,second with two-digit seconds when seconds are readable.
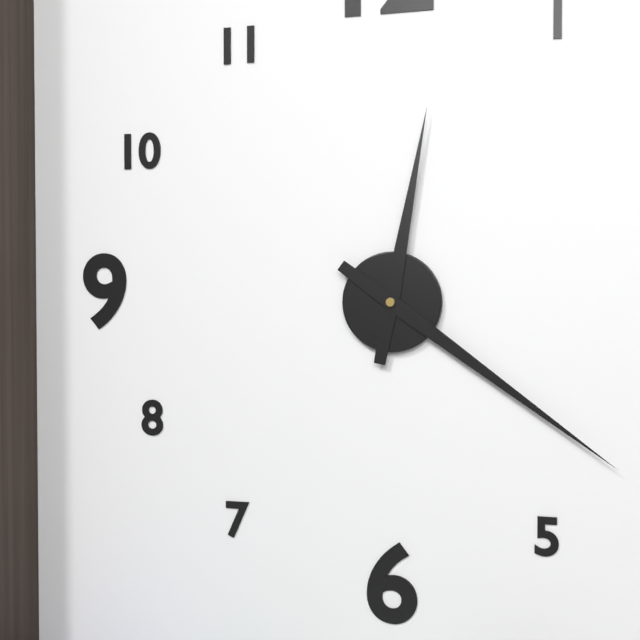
12,21
